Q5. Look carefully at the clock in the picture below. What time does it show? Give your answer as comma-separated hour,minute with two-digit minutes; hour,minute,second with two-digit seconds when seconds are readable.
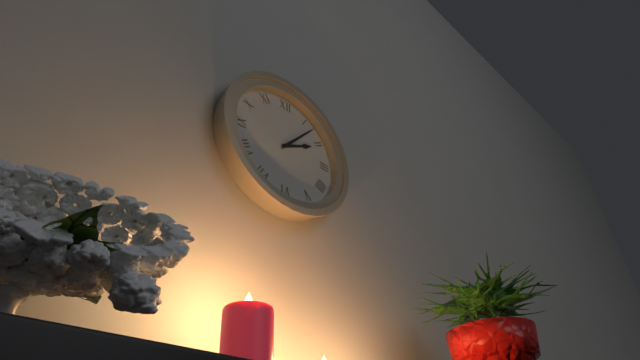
2,07
